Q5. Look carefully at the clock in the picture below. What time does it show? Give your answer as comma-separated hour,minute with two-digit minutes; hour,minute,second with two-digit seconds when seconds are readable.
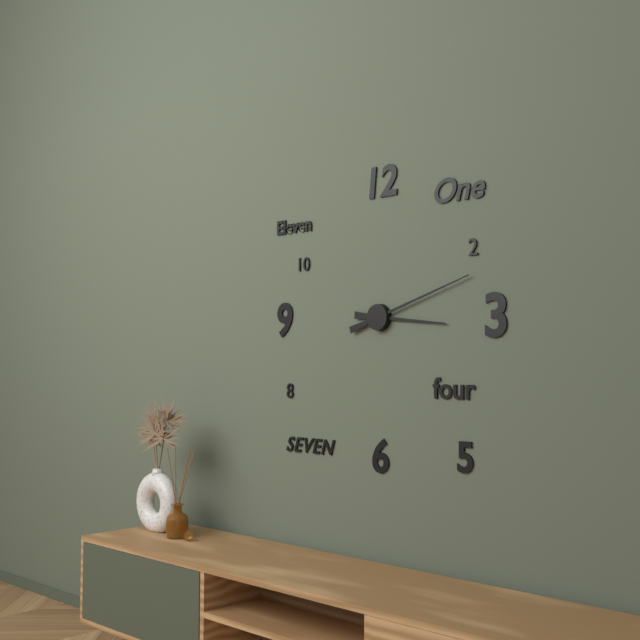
3,12
